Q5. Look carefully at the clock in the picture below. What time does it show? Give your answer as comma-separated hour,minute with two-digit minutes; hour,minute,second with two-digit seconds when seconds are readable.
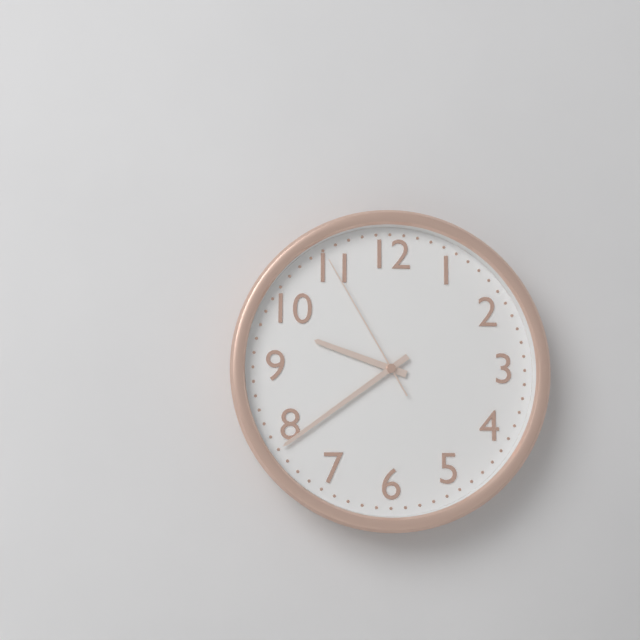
9,39,55
